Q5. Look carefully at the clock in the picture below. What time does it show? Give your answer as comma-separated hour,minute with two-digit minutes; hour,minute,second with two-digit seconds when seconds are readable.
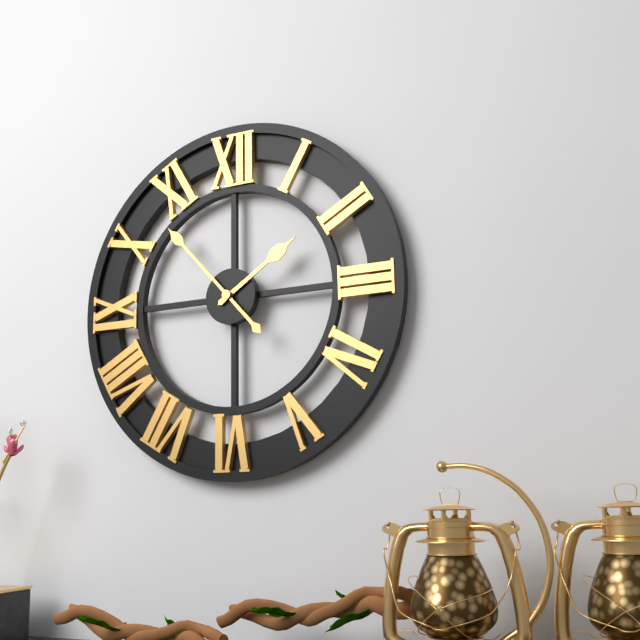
1,53
